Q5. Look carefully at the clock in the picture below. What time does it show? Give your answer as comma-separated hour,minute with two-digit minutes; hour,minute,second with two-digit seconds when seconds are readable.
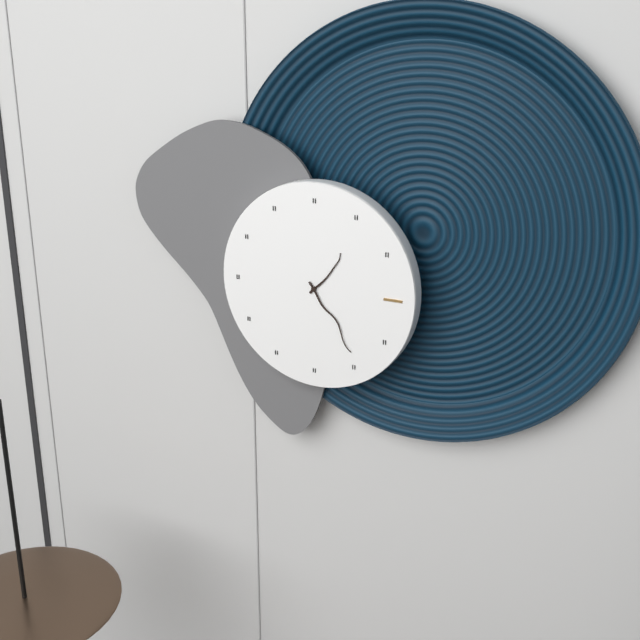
1,24
